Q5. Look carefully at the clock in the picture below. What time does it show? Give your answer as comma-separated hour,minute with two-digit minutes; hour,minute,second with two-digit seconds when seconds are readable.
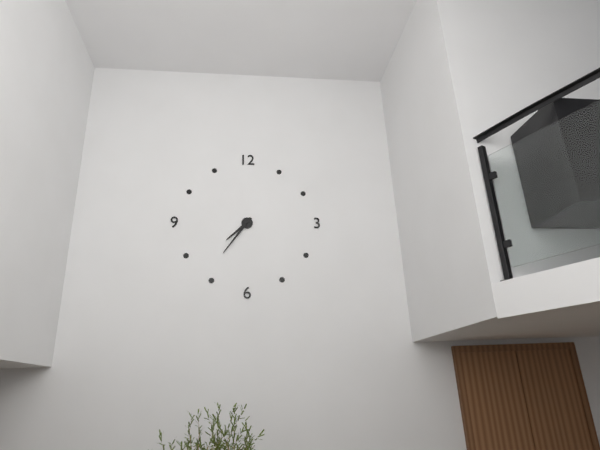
7,36
